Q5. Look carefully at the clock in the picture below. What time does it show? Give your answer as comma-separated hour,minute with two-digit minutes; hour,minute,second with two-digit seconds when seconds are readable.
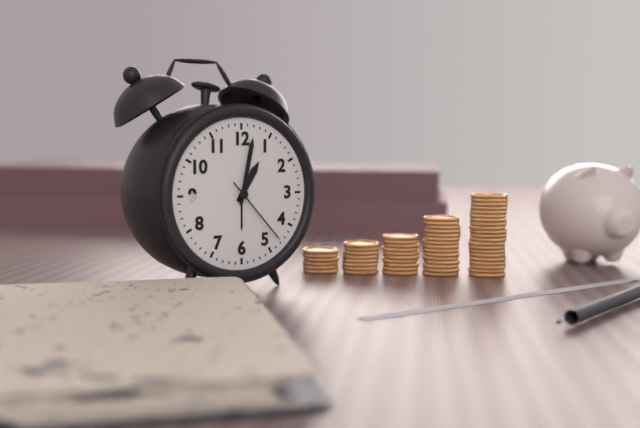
1,02,23
